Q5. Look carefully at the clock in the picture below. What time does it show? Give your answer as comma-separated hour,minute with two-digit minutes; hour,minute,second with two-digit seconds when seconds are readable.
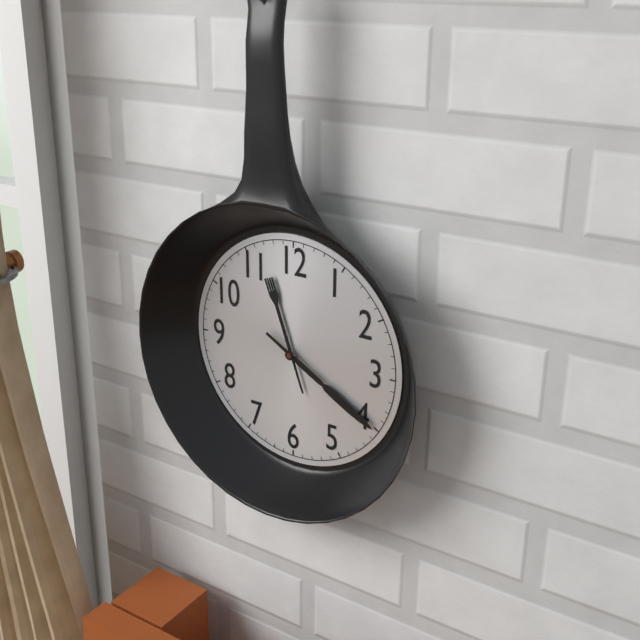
11,20
